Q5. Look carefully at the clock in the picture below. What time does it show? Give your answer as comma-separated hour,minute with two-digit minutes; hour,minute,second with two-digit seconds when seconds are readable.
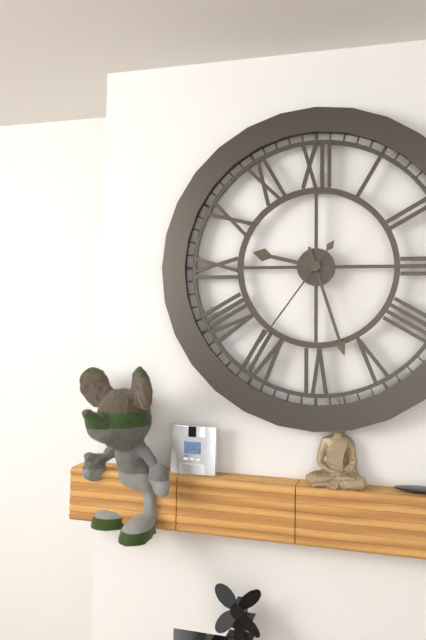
9,27,36
